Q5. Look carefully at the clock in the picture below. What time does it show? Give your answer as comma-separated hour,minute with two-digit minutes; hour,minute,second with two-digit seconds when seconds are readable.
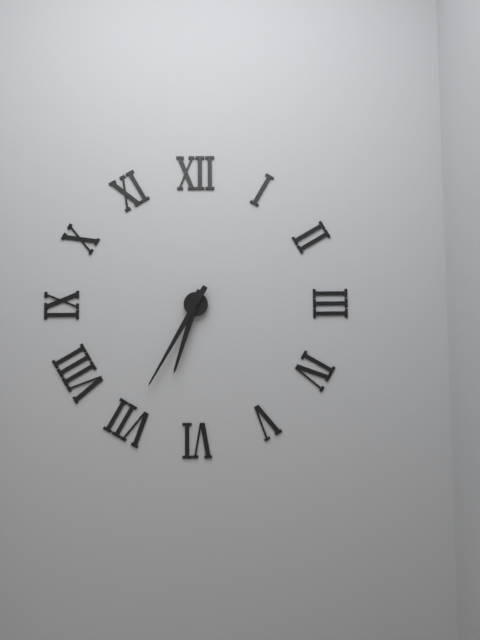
6,35
